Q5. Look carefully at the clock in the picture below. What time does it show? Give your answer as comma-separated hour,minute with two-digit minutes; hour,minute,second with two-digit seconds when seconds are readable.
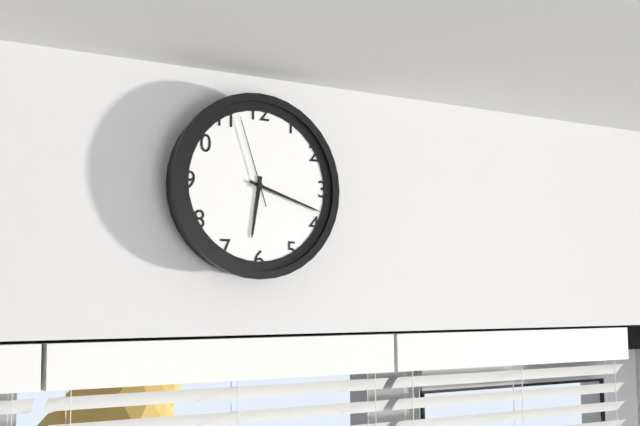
6,18,57
